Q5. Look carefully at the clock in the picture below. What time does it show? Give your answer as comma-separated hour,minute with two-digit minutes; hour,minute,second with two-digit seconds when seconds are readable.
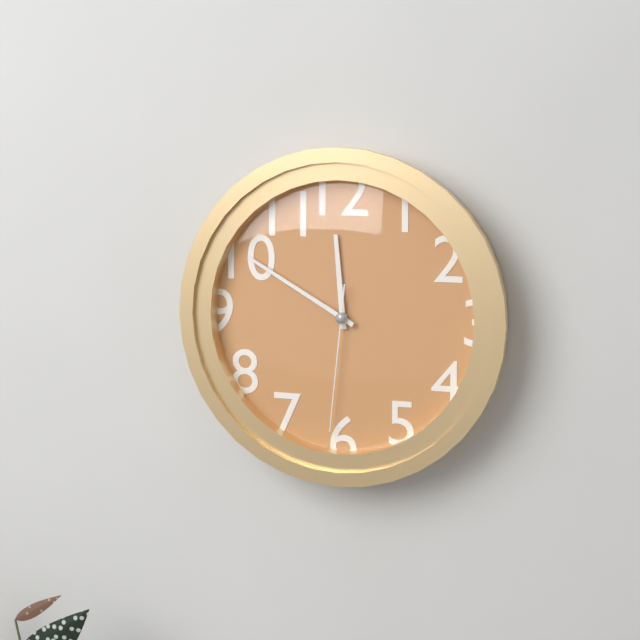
11,50,31
